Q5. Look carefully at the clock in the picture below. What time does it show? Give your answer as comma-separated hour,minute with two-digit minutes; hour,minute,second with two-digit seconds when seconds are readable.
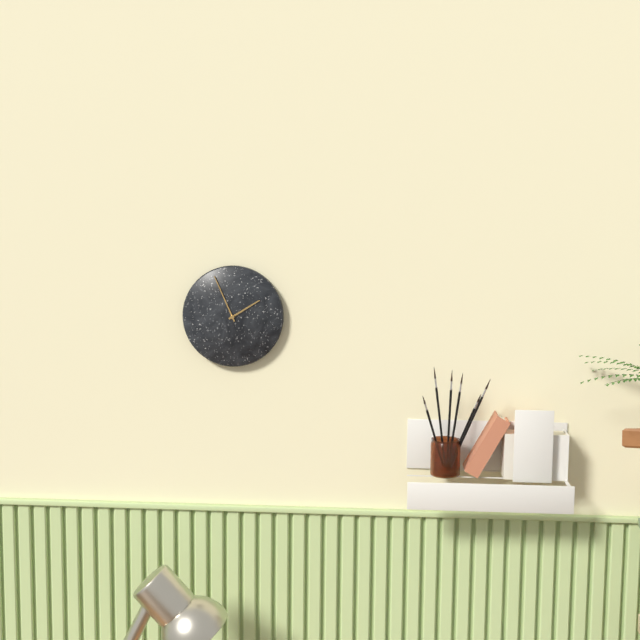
1,56
